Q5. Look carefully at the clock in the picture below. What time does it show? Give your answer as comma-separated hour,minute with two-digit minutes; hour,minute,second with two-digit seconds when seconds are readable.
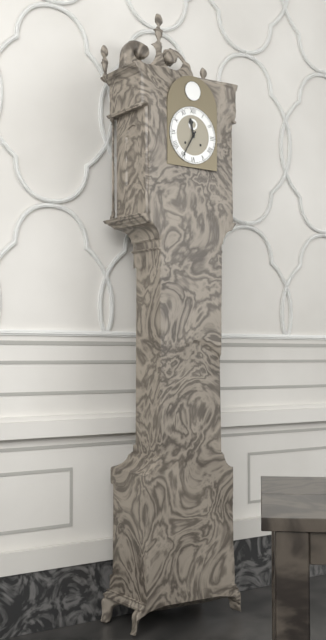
11,35
